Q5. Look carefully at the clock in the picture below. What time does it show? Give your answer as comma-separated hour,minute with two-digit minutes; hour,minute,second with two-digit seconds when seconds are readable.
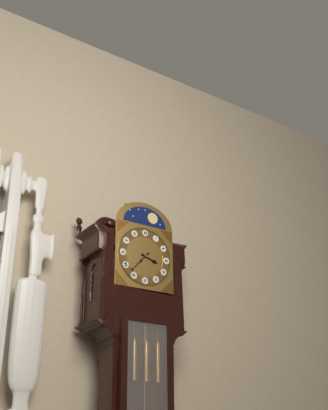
3,37
